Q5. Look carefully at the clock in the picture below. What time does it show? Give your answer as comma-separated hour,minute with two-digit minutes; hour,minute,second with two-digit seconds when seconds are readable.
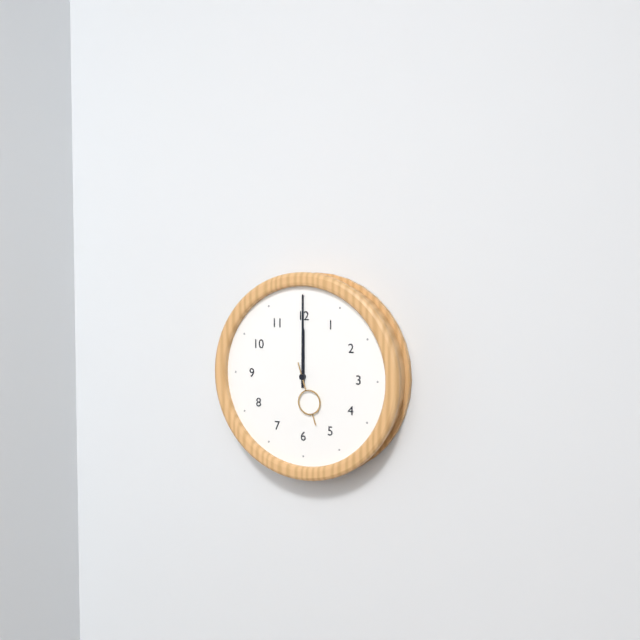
12,00,27
